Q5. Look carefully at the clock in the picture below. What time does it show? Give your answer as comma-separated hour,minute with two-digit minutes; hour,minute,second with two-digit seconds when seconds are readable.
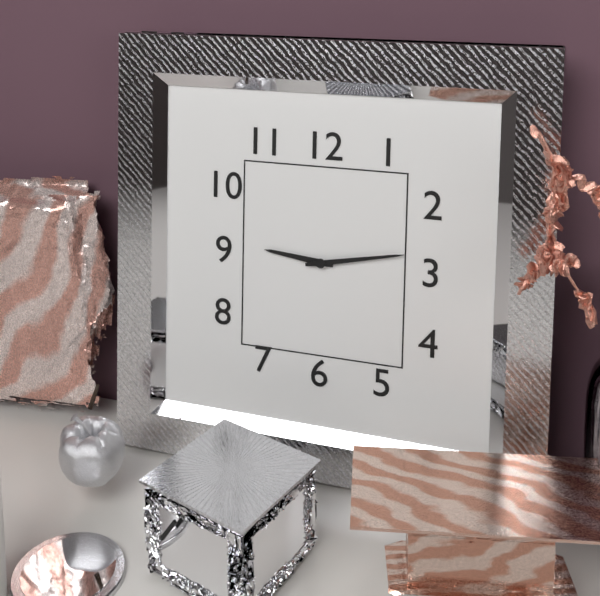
9,13
